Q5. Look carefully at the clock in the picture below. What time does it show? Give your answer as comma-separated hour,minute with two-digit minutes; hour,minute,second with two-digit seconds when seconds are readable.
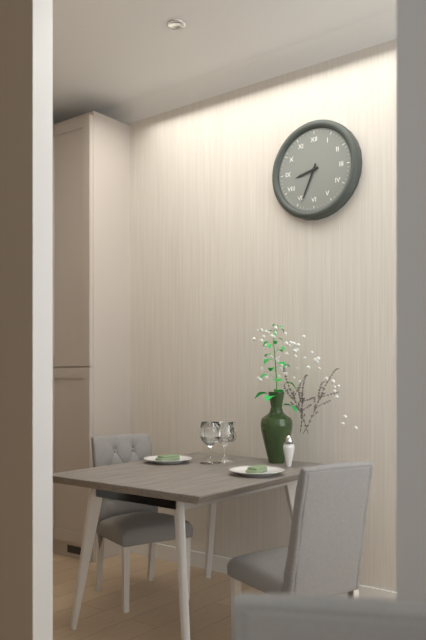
8,34
